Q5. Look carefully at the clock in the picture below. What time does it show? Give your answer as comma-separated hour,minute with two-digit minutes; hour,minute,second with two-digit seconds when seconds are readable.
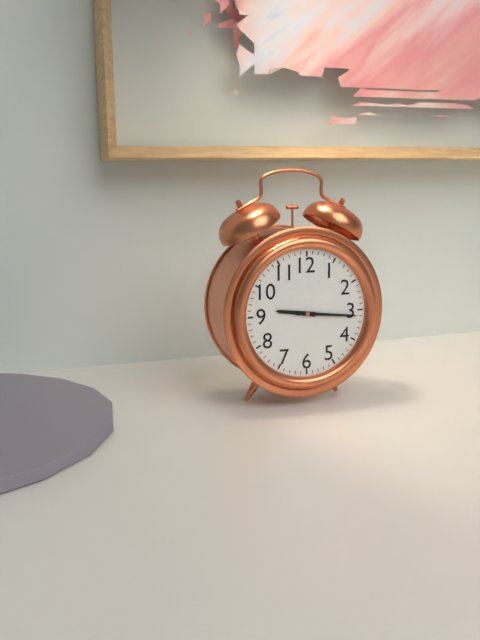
9,16
